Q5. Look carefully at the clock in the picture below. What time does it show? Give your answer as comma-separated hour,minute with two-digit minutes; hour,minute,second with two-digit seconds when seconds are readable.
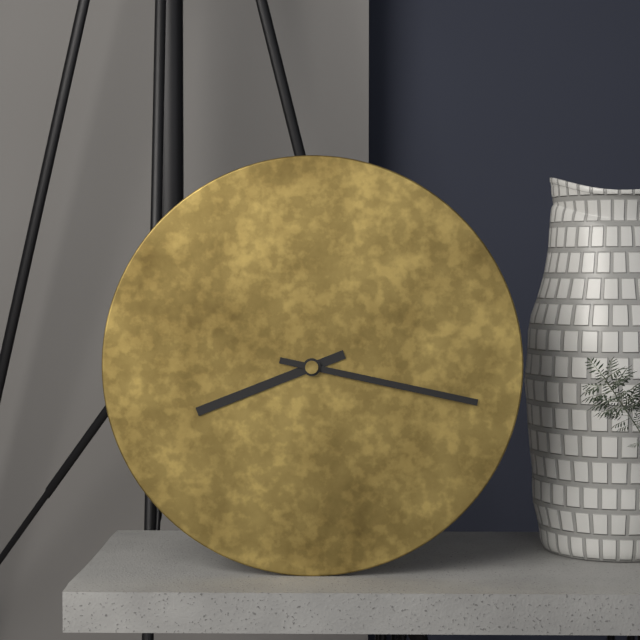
8,17
